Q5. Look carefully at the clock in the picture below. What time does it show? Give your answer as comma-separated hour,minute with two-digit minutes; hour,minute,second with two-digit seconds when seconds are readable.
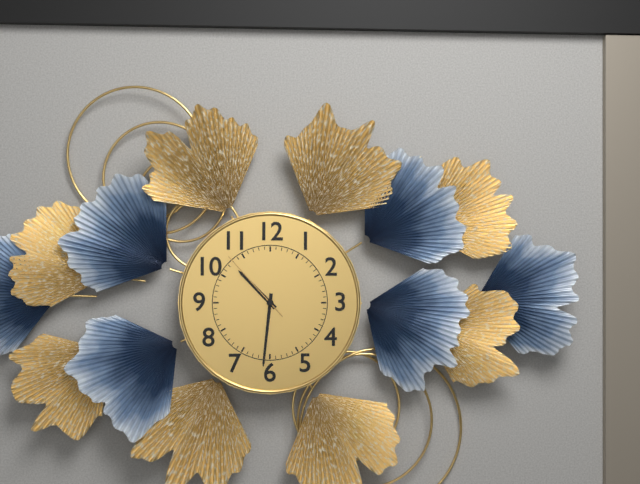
10,31,53
